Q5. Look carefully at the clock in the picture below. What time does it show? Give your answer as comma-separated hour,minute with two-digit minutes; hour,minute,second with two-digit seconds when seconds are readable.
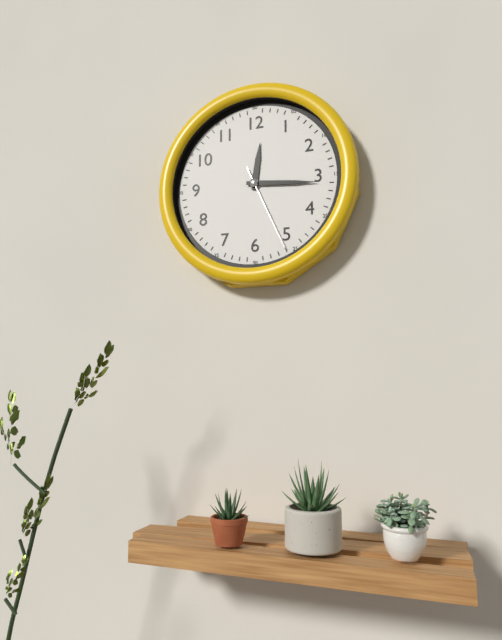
12,16,26
